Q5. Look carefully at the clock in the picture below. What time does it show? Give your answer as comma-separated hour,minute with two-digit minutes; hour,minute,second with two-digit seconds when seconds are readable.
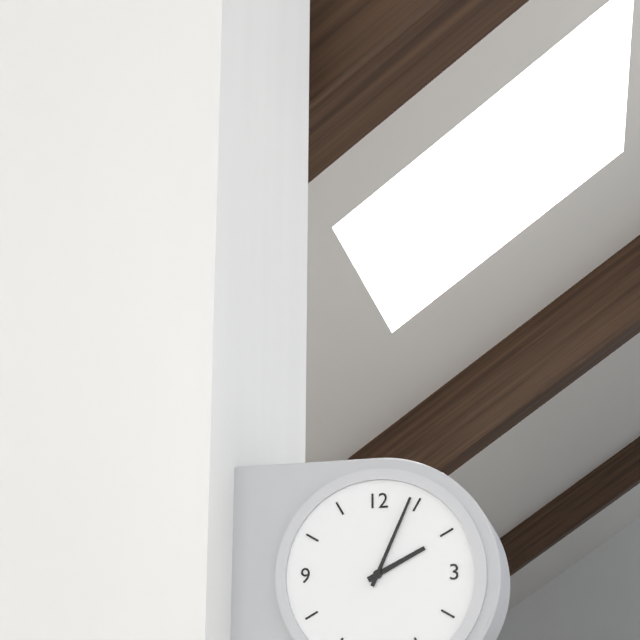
2,04
